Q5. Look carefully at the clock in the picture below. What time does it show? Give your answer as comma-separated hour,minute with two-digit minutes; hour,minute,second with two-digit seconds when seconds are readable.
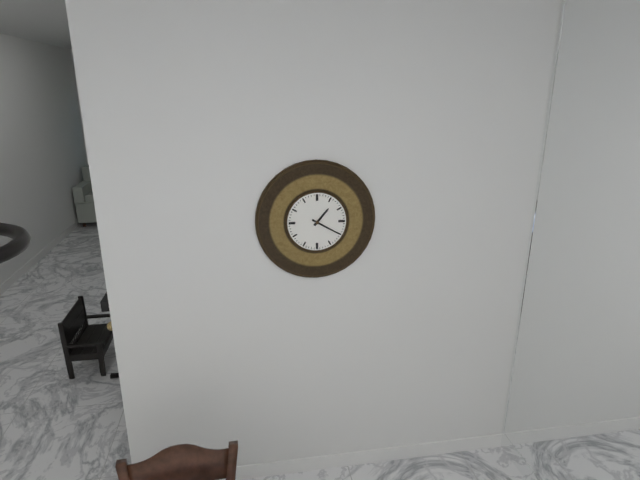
1,20
